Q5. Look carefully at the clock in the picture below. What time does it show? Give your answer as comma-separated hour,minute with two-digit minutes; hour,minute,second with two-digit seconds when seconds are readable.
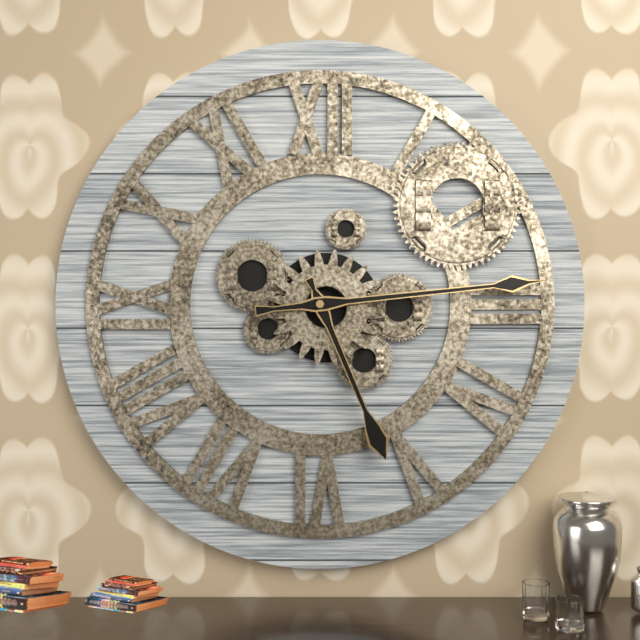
5,14
